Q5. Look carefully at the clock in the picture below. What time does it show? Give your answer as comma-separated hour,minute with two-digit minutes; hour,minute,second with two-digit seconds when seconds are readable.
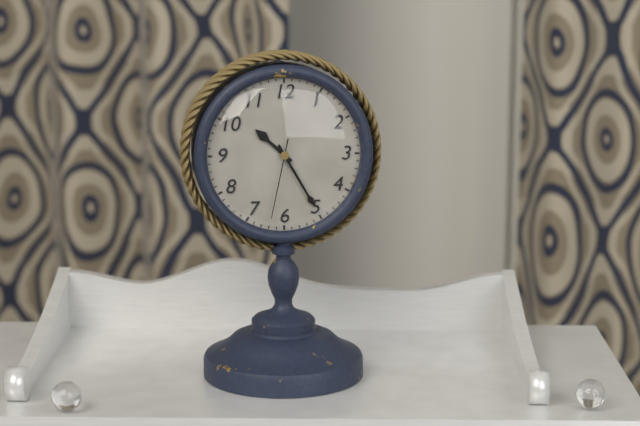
10,25,32
